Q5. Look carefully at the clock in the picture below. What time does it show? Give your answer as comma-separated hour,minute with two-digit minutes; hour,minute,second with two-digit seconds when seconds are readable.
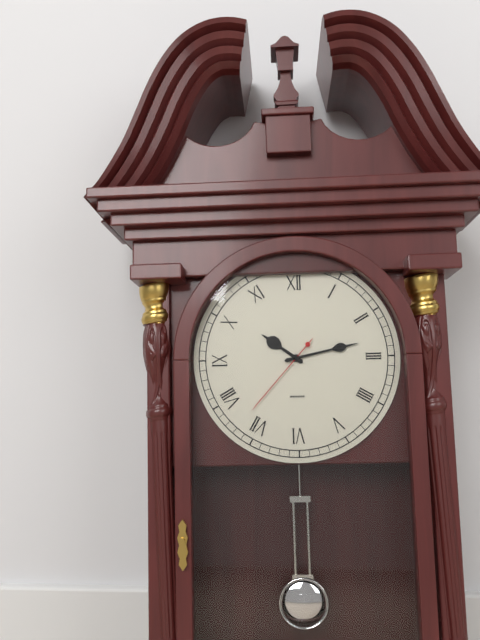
10,13,37
